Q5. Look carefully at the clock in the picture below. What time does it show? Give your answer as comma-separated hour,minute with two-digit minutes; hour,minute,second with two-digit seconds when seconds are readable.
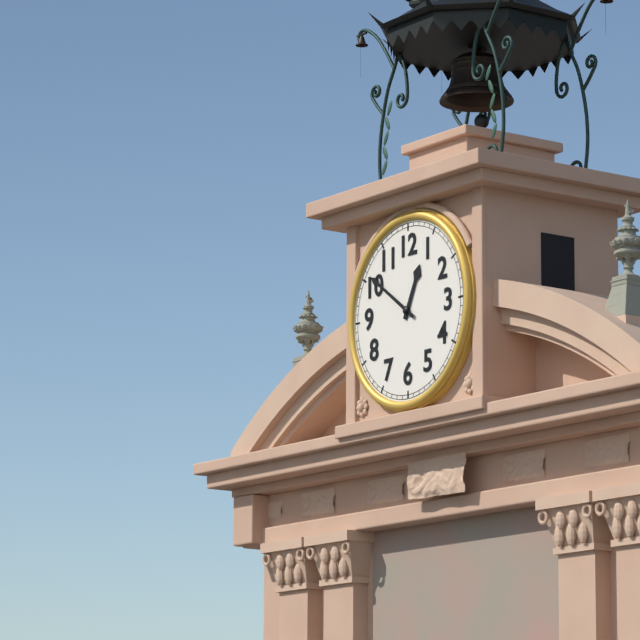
12,51
